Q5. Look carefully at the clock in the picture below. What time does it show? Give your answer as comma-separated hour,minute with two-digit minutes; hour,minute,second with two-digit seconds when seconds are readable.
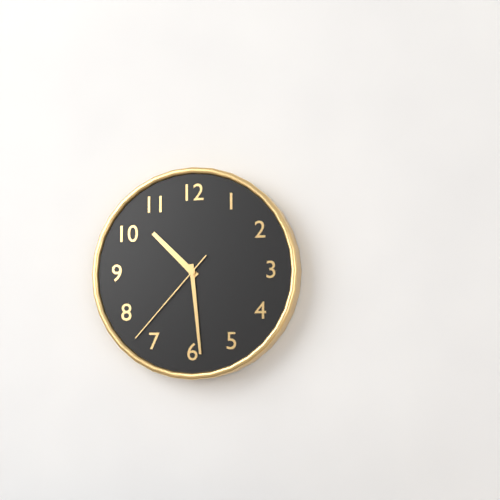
10,29,37
